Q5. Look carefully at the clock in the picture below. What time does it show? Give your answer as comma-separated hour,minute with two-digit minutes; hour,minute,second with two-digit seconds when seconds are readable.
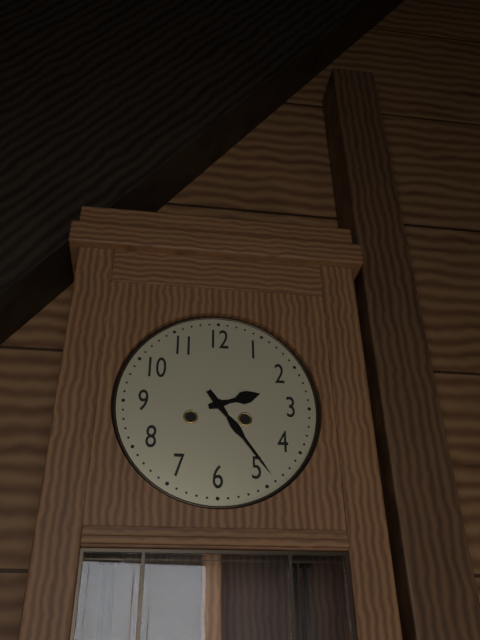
2,24
